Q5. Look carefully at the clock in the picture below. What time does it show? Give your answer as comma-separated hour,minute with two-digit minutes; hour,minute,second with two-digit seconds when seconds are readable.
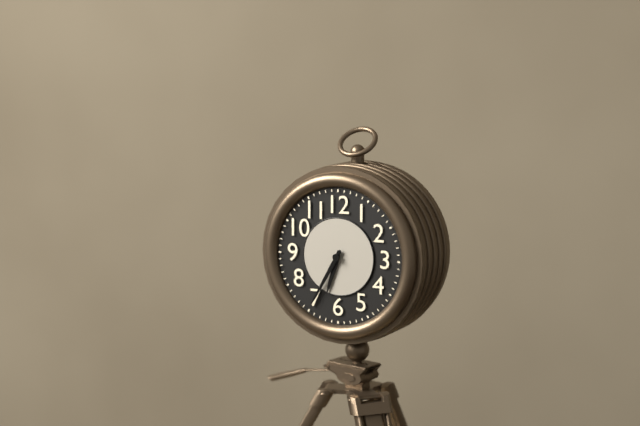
6,35
